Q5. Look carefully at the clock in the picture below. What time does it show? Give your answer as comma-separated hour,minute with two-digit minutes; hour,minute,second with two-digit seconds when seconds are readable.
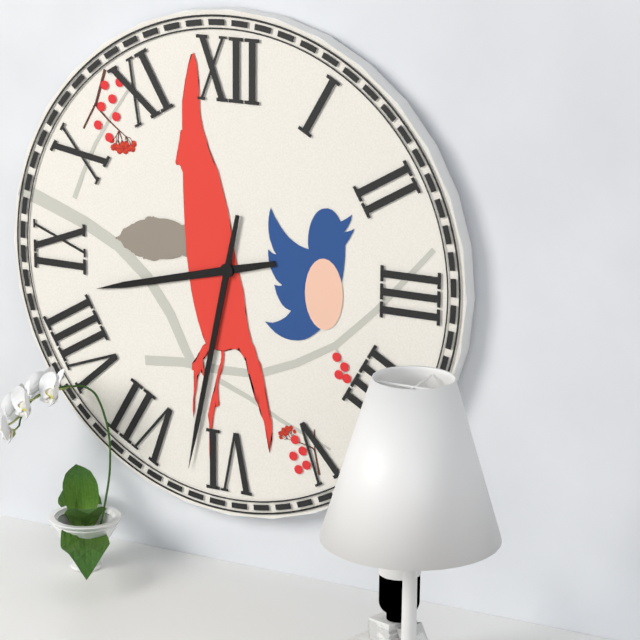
8,32
